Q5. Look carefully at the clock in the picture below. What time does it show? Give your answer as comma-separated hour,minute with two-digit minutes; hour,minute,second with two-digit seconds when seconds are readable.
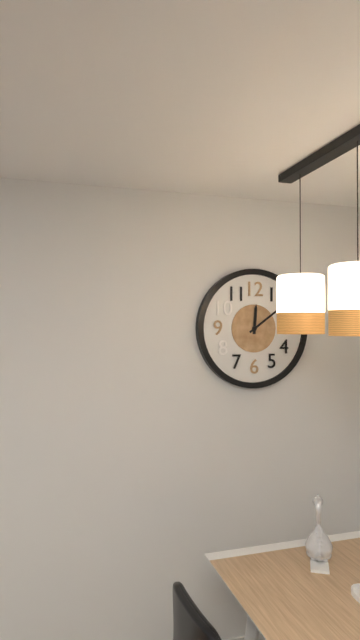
12,09
